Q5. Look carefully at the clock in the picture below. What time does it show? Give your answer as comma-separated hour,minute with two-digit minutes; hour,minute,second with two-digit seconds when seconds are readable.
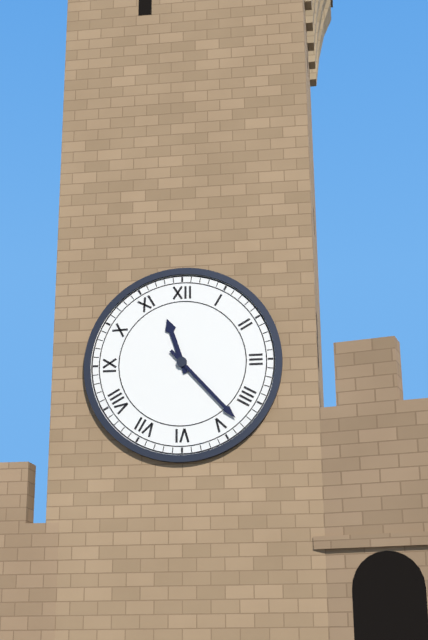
11,23
